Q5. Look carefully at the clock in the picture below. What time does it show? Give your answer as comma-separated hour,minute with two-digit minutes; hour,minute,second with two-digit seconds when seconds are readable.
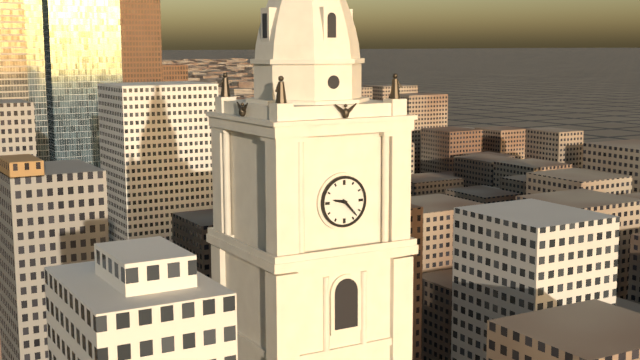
9,23
